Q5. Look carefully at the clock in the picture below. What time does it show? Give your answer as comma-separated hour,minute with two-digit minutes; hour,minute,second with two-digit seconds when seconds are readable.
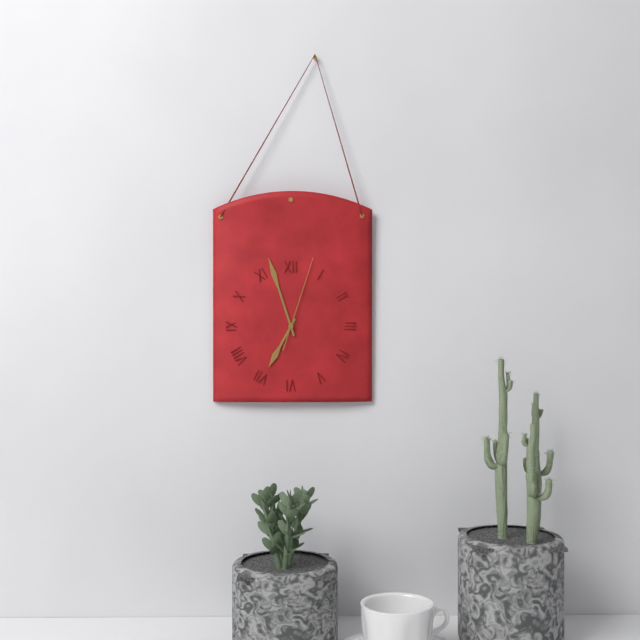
6,57,03
